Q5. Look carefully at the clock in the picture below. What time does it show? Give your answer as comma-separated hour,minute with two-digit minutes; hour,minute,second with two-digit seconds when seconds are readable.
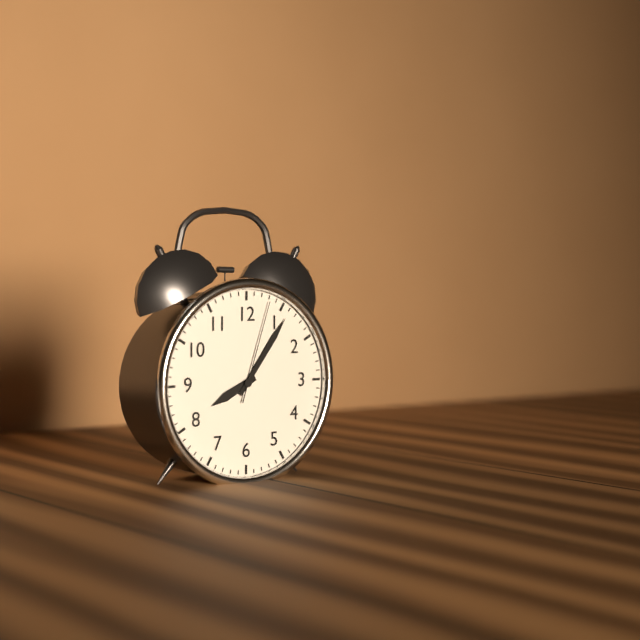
8,06,03
